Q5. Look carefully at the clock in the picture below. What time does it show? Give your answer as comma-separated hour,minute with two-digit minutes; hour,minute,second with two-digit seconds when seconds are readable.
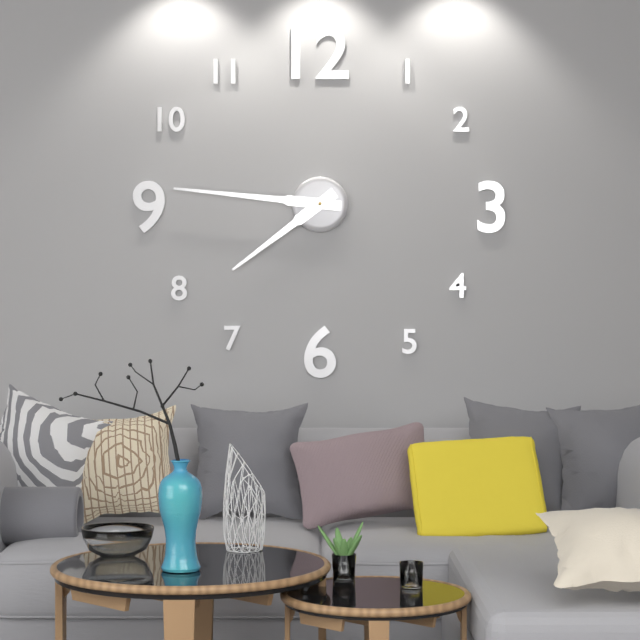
7,46
